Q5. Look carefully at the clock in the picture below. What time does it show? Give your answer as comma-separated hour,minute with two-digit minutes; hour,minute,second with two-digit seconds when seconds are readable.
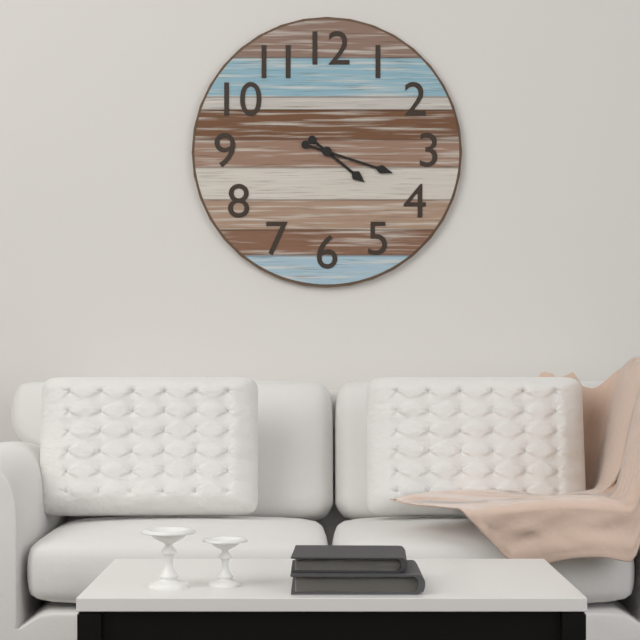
4,18
